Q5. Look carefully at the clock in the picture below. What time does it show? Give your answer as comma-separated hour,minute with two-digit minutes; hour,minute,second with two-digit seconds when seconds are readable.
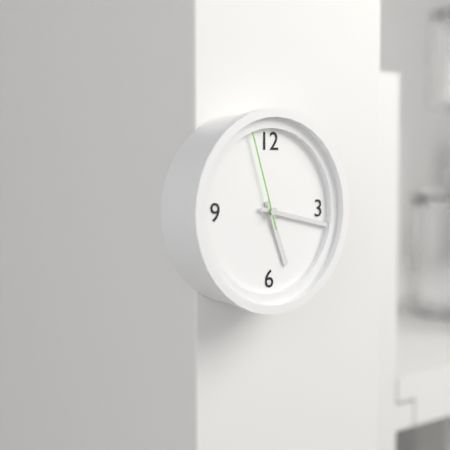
5,17,57
